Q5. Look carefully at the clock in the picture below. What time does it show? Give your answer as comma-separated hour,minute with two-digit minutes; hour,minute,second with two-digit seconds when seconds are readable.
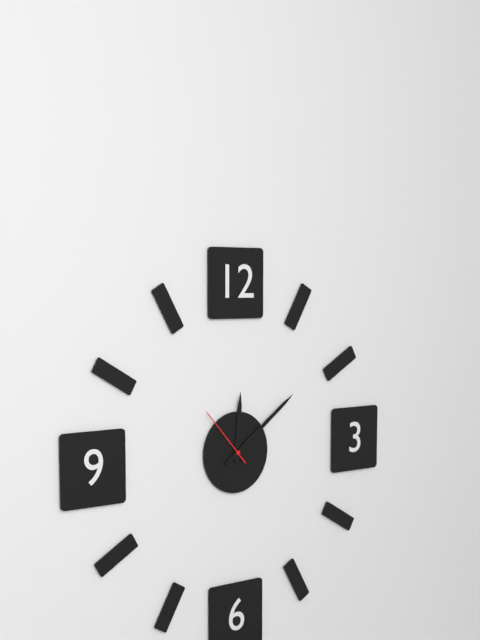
12,09,53
